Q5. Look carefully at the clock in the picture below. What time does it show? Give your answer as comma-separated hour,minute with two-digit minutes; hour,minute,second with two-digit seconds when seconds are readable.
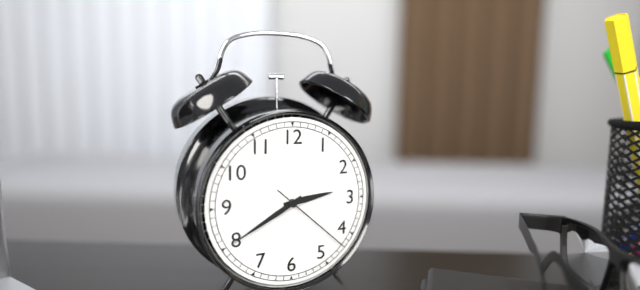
2,40,22
